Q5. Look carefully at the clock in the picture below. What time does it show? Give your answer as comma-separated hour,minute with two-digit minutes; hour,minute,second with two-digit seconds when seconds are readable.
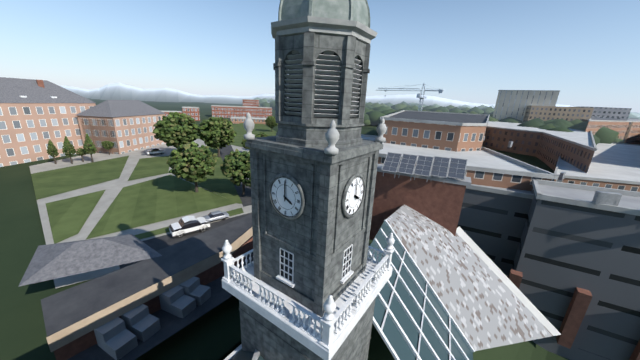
4,00
